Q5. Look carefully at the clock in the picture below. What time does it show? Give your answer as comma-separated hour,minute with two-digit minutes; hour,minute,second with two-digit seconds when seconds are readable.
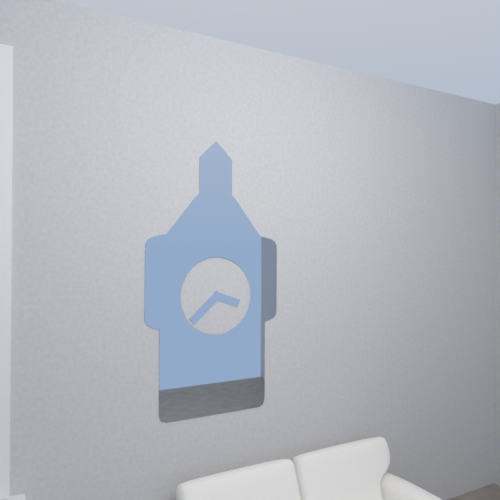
3,38
